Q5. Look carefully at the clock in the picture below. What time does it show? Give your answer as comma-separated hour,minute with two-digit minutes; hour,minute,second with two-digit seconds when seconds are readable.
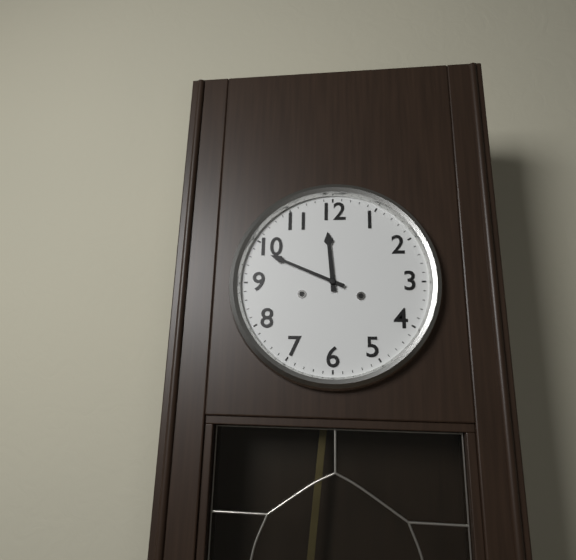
11,49
